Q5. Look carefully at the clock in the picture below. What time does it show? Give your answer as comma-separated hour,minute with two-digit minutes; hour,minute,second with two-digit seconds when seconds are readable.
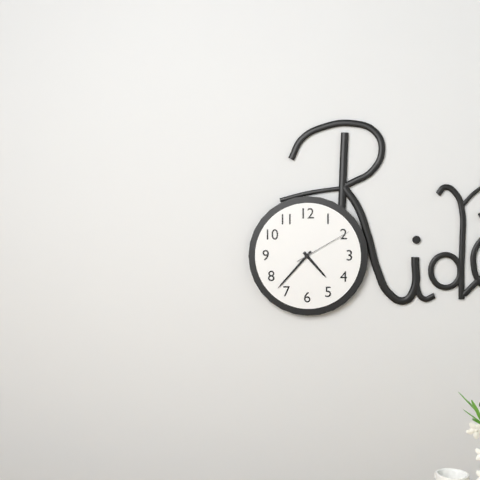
4,37,10
